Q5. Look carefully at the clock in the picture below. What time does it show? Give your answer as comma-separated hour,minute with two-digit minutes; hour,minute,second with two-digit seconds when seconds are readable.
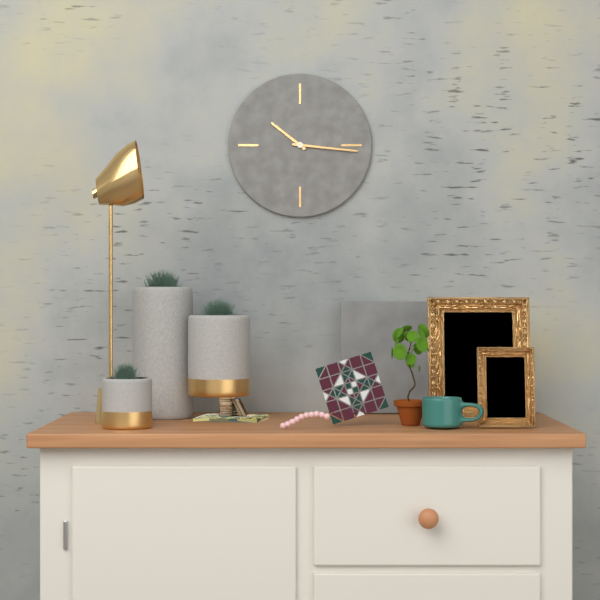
10,16
